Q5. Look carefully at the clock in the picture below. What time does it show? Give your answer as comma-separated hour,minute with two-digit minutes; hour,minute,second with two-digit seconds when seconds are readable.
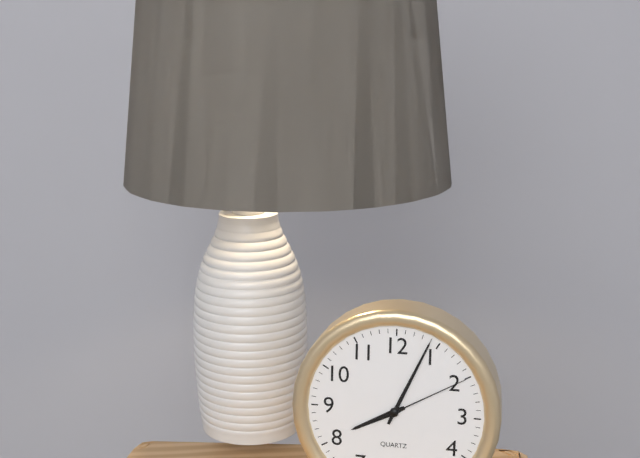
8,04,10
